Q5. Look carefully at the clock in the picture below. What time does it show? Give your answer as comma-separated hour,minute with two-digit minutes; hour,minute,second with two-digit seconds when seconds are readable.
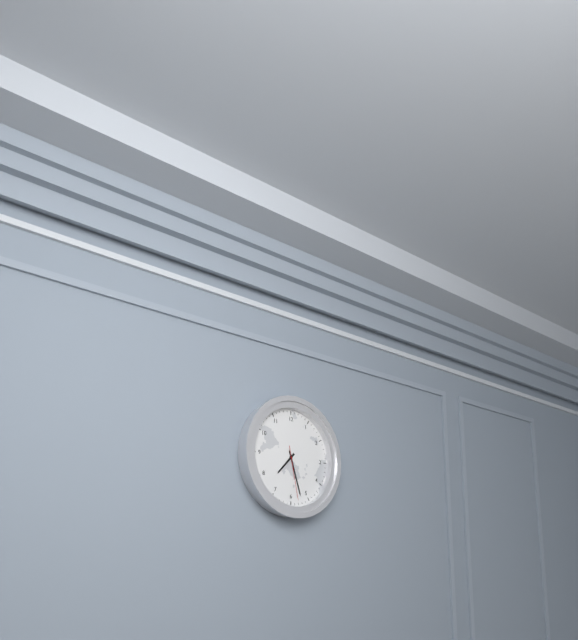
7,27,28
